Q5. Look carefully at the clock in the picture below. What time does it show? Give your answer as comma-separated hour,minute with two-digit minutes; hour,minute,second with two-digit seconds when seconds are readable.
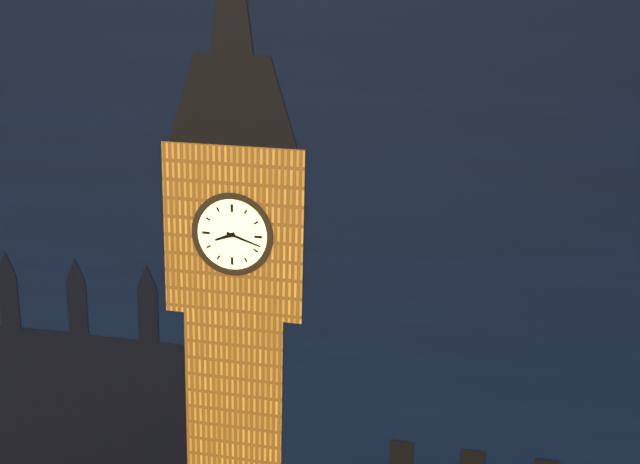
8,18
